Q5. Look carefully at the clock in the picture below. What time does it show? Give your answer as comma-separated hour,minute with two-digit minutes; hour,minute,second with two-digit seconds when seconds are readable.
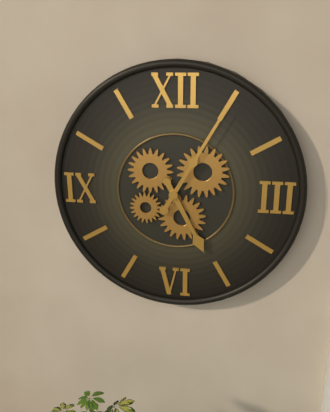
5,05
